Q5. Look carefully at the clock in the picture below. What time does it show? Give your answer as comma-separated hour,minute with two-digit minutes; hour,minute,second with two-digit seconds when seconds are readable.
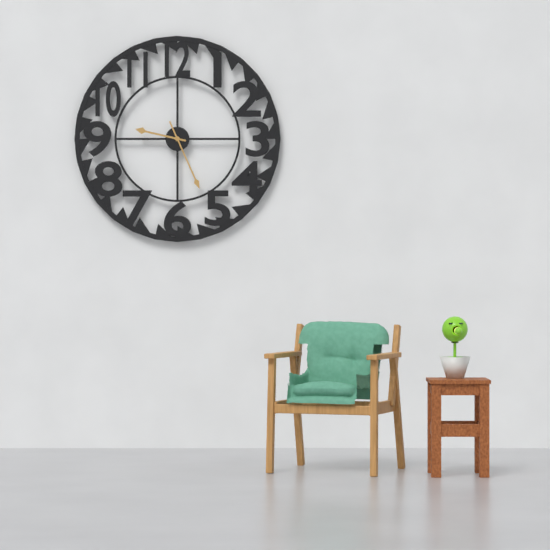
9,26
